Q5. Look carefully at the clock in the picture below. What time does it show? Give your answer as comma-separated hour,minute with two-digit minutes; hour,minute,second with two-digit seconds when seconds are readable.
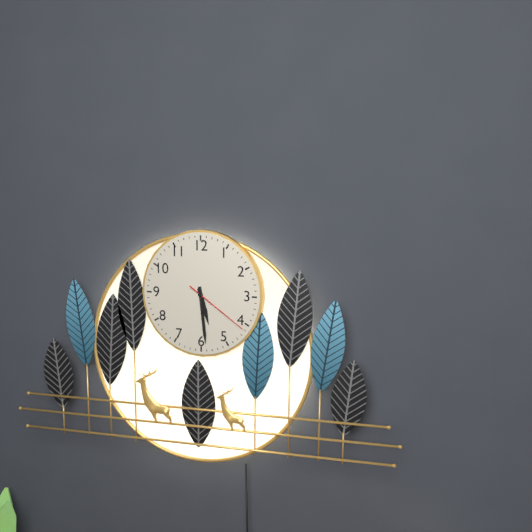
5,29,21
